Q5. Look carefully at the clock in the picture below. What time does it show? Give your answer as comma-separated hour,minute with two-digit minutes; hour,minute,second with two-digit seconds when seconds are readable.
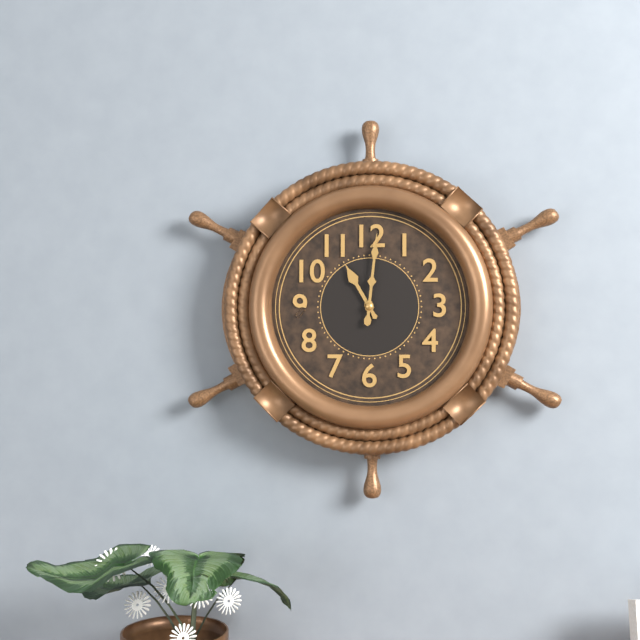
11,01
